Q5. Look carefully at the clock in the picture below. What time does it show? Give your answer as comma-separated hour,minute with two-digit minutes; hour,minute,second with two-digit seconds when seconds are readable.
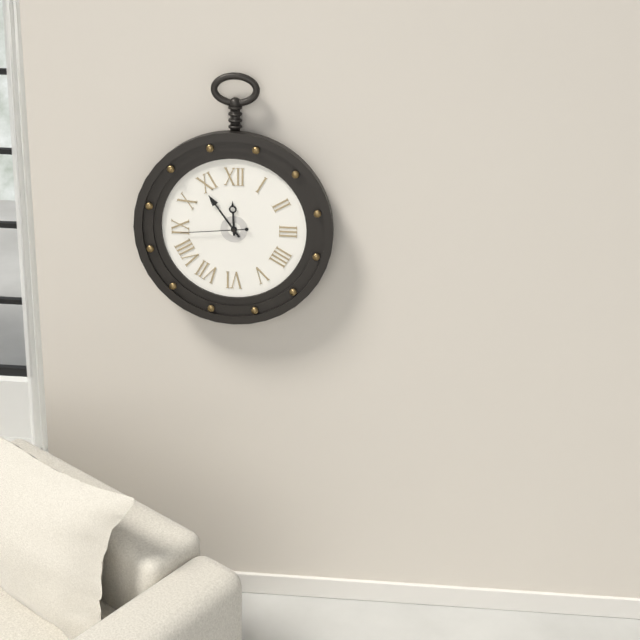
11,54,44
